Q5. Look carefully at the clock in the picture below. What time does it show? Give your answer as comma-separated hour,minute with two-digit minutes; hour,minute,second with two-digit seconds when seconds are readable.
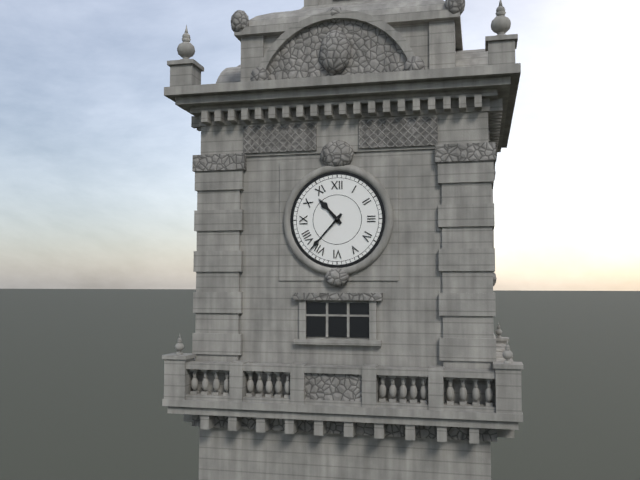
10,37
